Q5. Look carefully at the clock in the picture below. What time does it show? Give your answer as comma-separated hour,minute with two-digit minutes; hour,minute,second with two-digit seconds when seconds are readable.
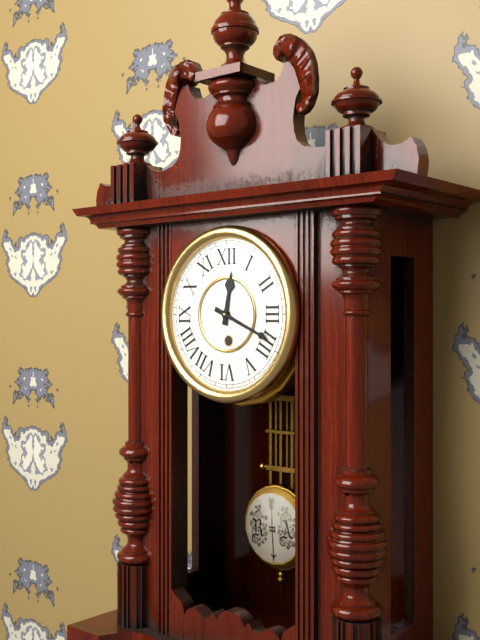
12,19
